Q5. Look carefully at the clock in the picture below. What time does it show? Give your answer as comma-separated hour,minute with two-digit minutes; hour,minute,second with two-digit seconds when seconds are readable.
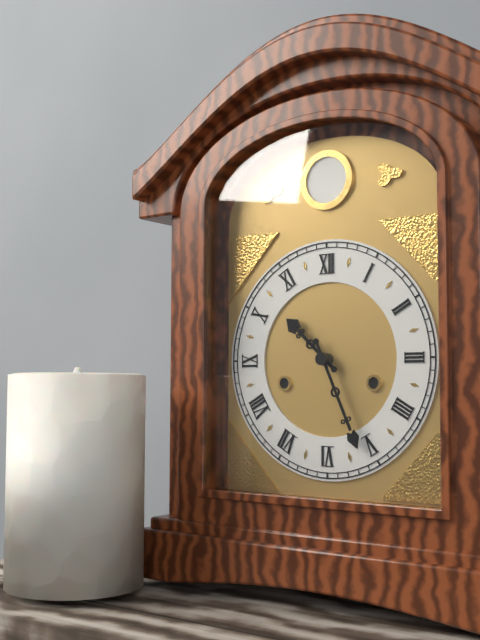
10,26
